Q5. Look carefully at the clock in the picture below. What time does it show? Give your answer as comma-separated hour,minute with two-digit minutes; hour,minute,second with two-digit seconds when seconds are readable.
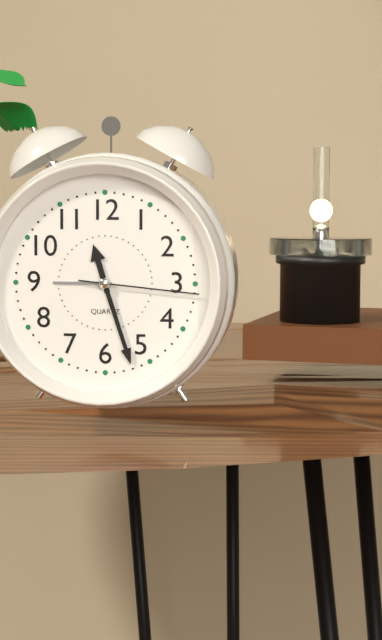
11,27,16
